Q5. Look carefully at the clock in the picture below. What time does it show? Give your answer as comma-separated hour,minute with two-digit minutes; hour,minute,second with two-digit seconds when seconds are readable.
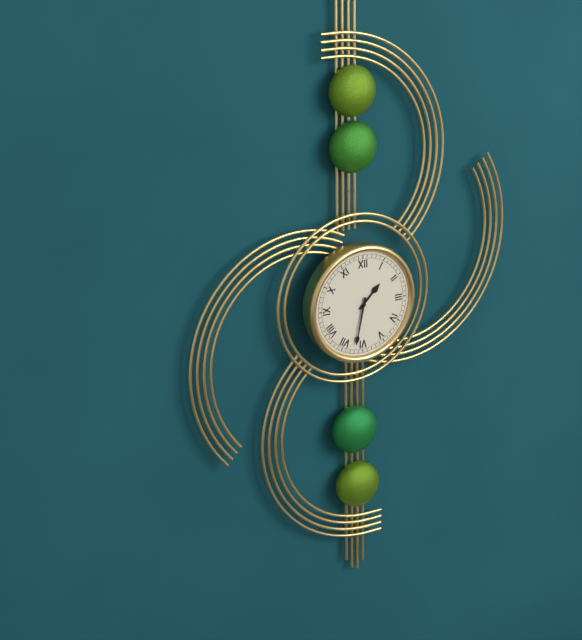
1,32
